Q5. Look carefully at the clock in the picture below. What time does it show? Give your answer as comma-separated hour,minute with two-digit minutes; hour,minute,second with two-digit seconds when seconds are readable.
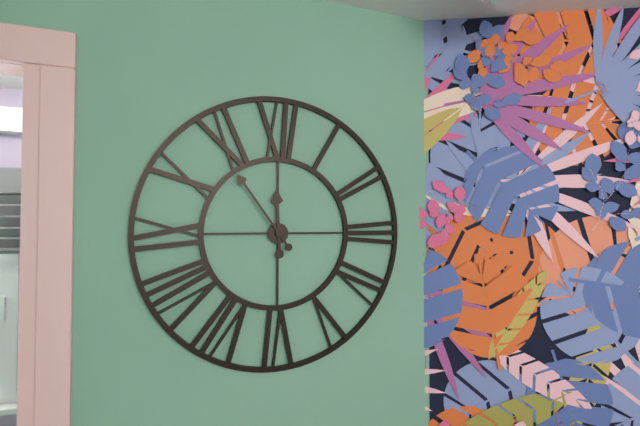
11,54
